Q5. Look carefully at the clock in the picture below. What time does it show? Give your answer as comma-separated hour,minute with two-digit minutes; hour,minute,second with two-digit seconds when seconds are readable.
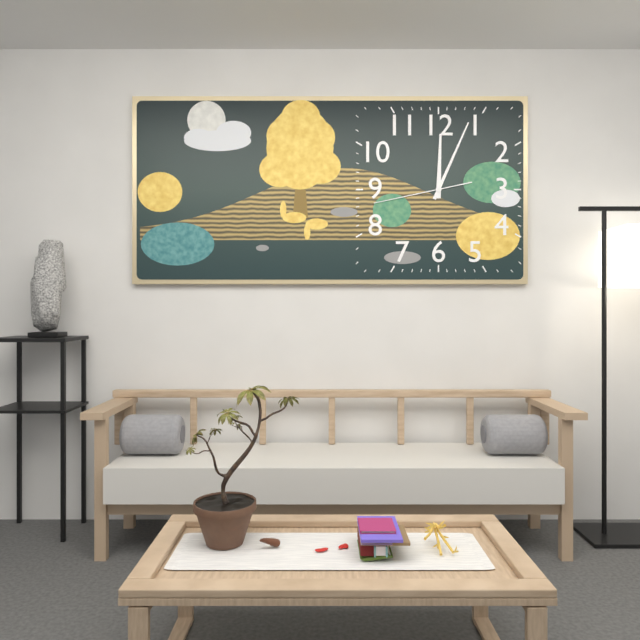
12,04,43
